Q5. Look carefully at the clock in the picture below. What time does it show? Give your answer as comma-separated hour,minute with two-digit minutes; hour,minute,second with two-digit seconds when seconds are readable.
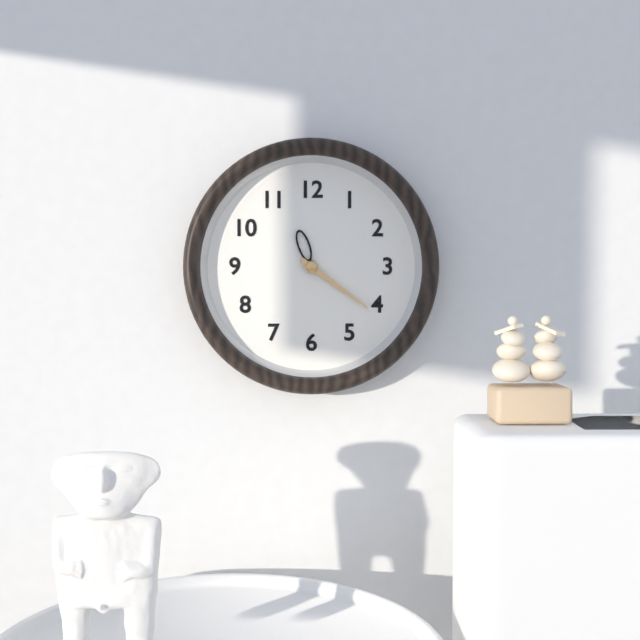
11,21
